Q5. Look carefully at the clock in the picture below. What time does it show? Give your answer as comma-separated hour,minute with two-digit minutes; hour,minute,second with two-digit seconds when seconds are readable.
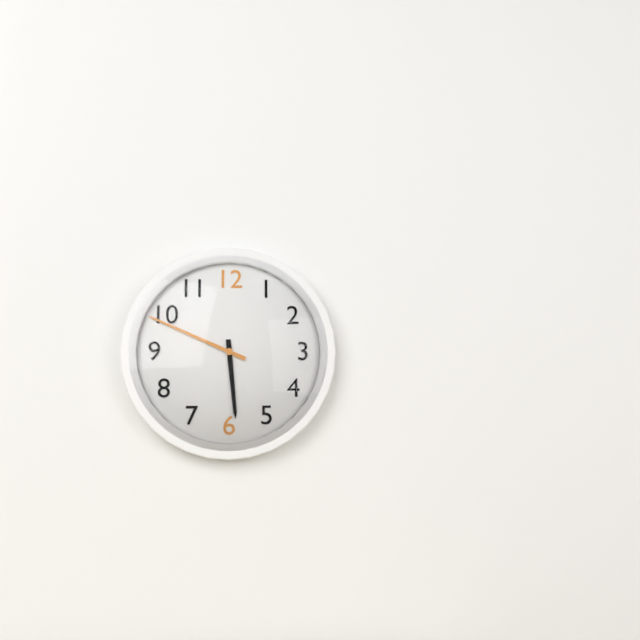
5,49
